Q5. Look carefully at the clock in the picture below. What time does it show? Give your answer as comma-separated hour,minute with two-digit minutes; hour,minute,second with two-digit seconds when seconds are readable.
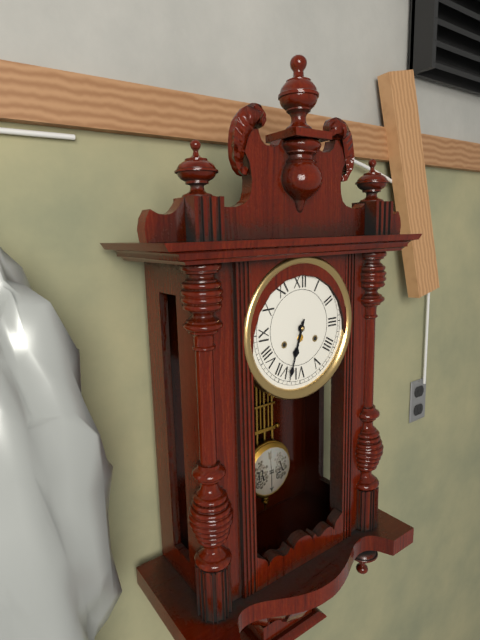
6,33
